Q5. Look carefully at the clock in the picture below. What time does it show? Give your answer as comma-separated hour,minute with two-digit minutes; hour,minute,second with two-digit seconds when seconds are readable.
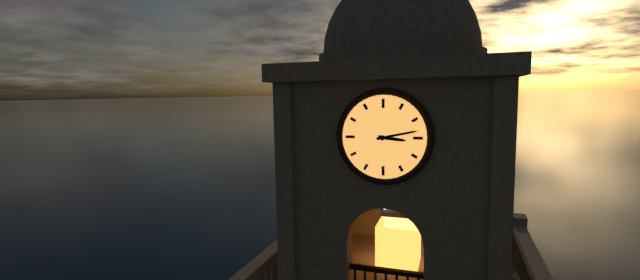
3,13
